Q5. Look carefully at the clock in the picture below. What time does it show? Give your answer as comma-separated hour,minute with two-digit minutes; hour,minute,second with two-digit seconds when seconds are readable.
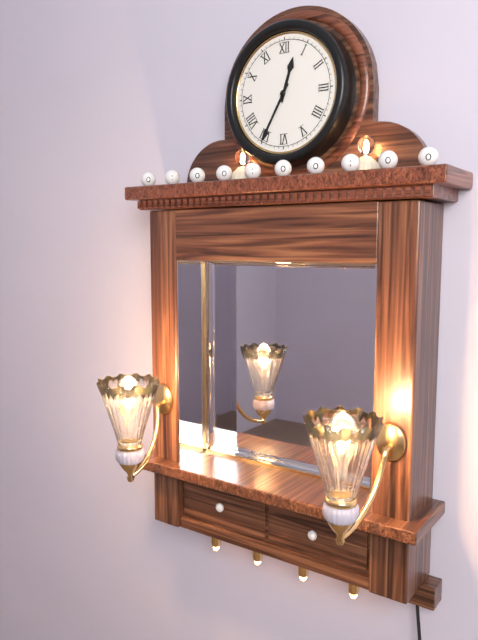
12,35
